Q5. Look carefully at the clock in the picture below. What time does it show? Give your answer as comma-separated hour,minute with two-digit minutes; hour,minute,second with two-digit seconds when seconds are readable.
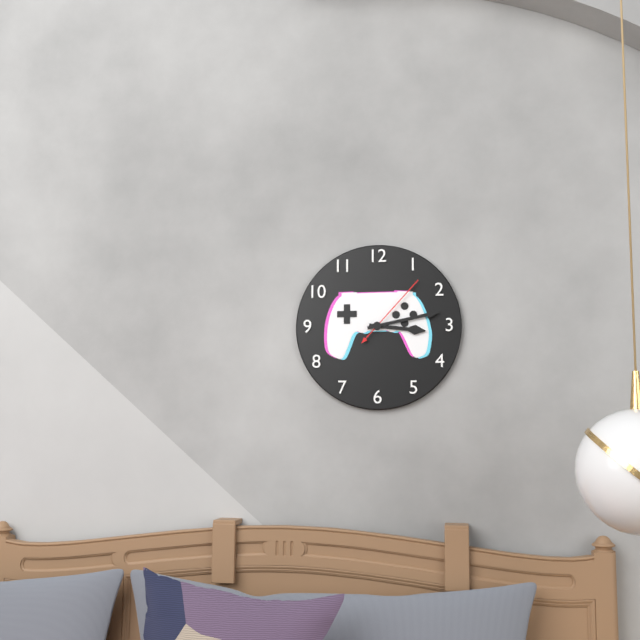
3,13,07
